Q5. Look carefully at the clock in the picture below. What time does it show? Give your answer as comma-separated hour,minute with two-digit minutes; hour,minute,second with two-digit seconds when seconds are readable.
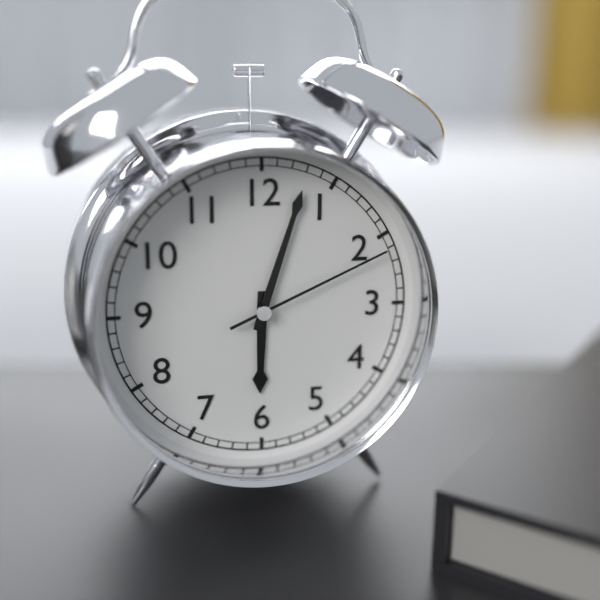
6,03,11
